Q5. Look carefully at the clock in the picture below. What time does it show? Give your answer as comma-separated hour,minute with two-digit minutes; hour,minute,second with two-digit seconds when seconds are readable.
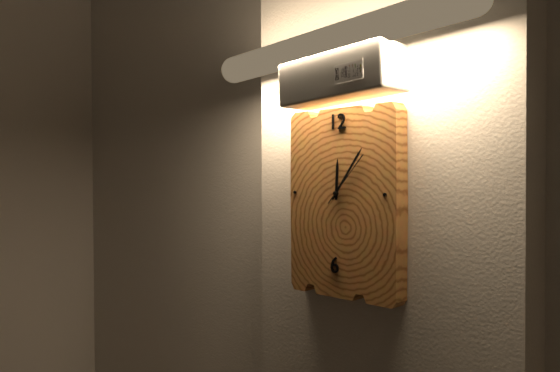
12,06,07
